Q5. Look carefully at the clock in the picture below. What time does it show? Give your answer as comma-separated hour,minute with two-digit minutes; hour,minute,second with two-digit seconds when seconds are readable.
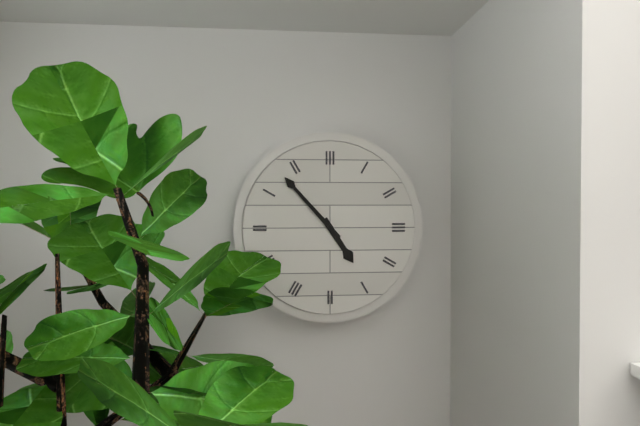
4,53
